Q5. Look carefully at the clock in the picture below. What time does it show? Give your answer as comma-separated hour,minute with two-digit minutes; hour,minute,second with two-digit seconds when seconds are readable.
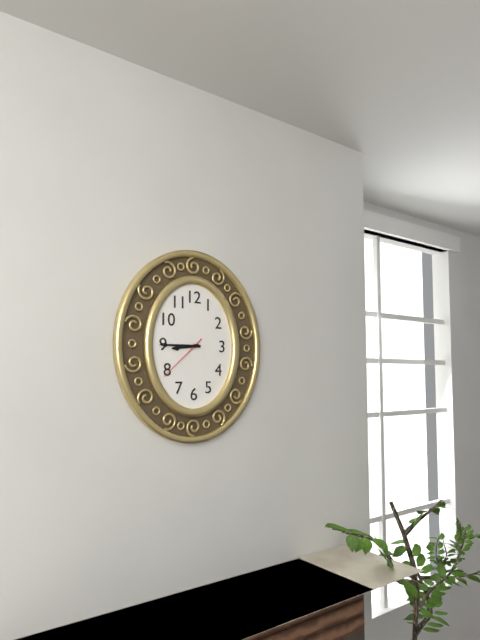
8,45,38
